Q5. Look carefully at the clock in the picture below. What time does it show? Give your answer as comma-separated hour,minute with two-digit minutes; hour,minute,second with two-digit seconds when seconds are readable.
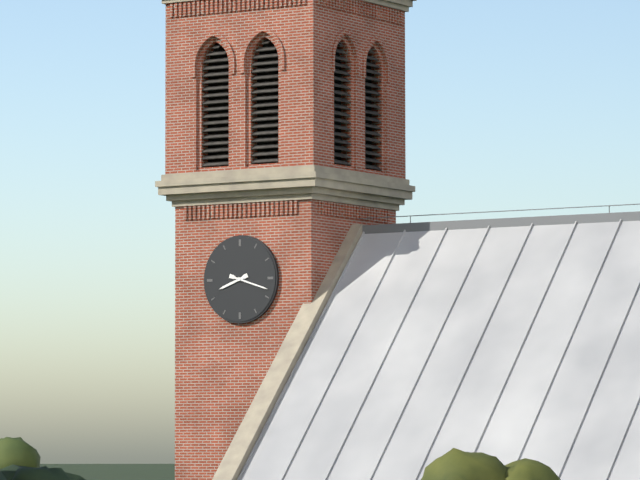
8,18
